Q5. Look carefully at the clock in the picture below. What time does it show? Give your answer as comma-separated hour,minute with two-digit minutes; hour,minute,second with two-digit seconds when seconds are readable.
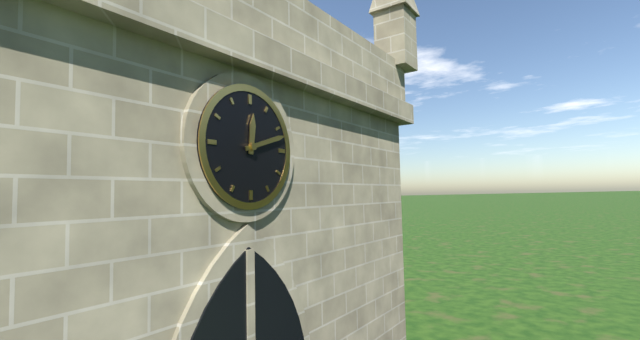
12,12
